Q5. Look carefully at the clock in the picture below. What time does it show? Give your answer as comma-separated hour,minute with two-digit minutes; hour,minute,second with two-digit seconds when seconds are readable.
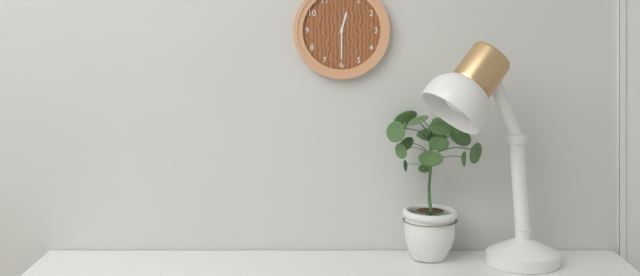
12,30
